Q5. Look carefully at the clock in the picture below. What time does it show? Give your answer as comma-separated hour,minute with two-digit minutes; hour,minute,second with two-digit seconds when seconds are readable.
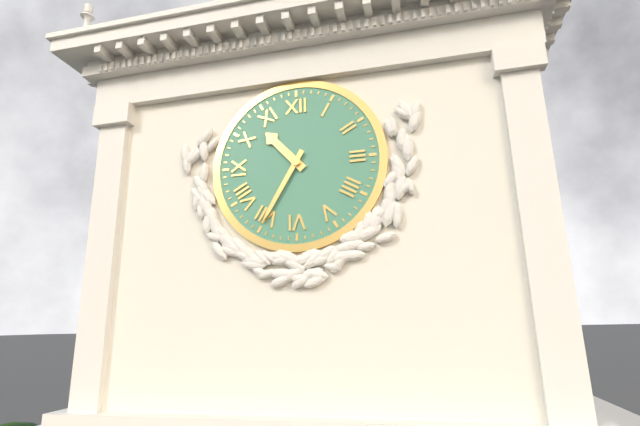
10,35
